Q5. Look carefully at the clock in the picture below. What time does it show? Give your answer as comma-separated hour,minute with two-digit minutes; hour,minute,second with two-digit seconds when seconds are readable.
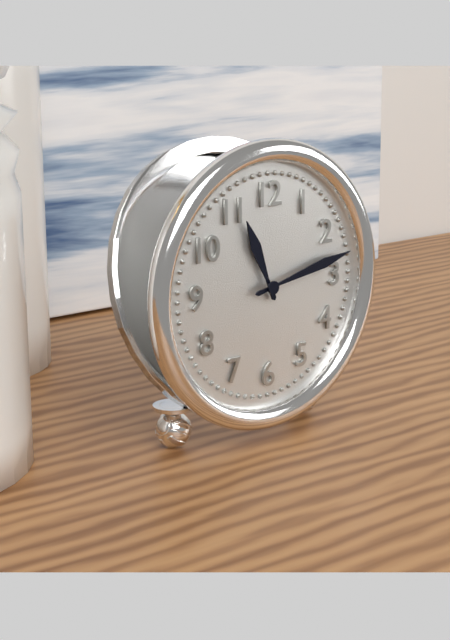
11,13
